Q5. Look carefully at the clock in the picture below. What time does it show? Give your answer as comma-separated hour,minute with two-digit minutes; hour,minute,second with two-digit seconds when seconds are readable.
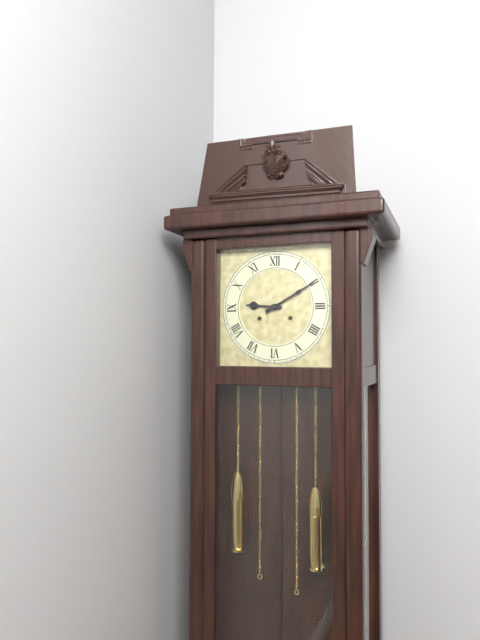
9,10
